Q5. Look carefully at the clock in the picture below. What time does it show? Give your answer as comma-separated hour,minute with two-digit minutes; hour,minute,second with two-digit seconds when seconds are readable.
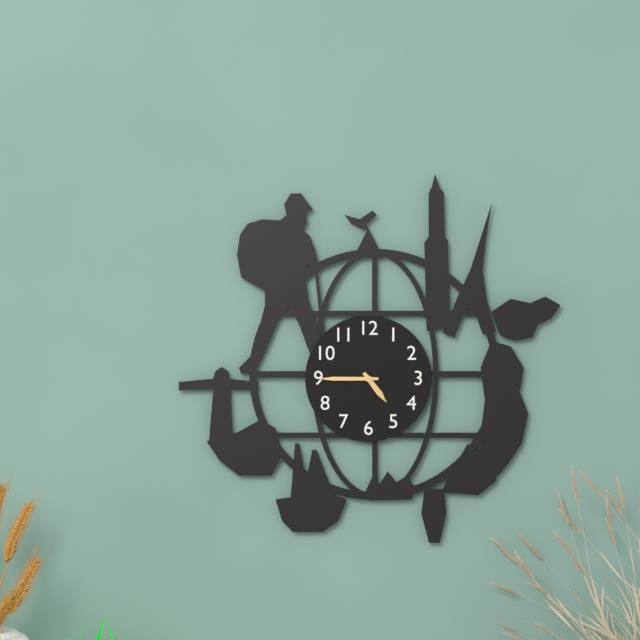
4,45
